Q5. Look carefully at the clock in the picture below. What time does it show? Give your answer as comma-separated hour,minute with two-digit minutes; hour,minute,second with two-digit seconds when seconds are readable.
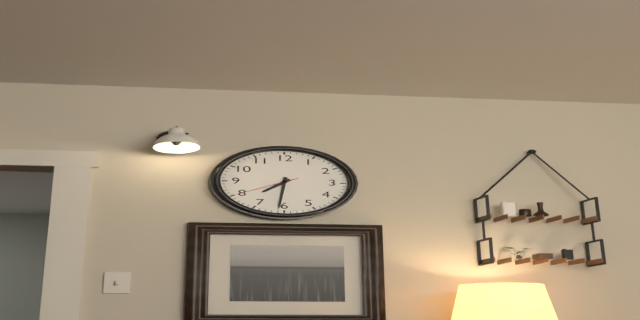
7,31,40
